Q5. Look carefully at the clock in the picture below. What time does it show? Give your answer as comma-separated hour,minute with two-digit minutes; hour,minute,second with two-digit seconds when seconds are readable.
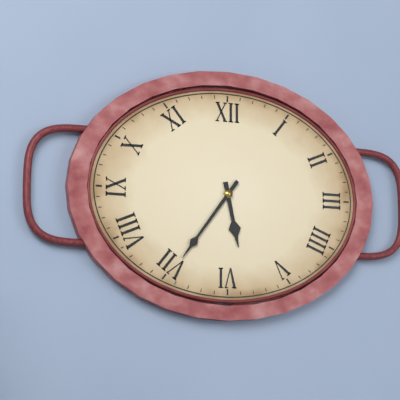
5,36
